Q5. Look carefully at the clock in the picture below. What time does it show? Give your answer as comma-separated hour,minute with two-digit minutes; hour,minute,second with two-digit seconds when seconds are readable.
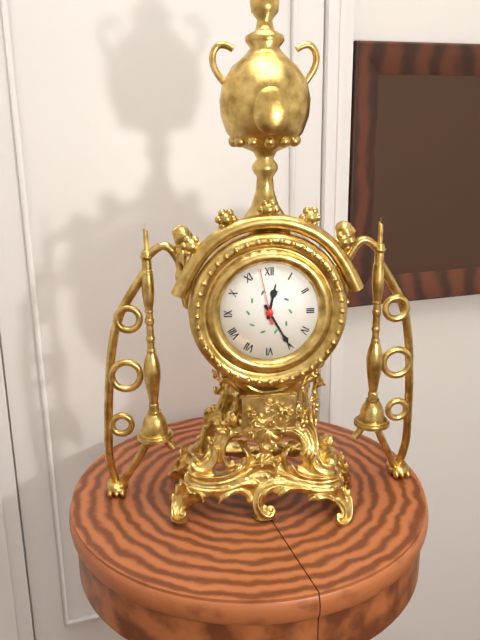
12,25,58
